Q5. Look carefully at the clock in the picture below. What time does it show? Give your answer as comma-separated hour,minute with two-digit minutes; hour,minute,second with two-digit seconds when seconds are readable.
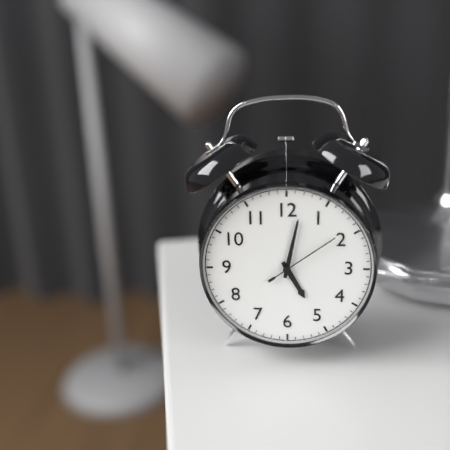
5,02,09
